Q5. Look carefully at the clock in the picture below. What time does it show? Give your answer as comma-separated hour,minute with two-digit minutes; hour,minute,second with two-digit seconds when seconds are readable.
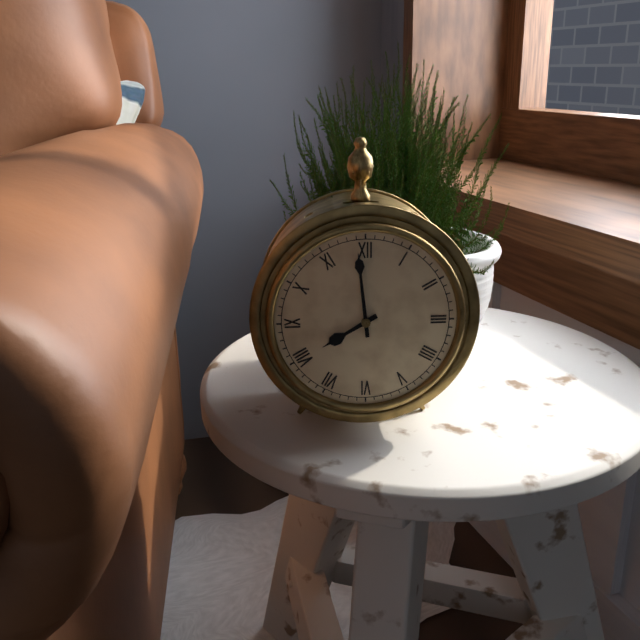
7,59
